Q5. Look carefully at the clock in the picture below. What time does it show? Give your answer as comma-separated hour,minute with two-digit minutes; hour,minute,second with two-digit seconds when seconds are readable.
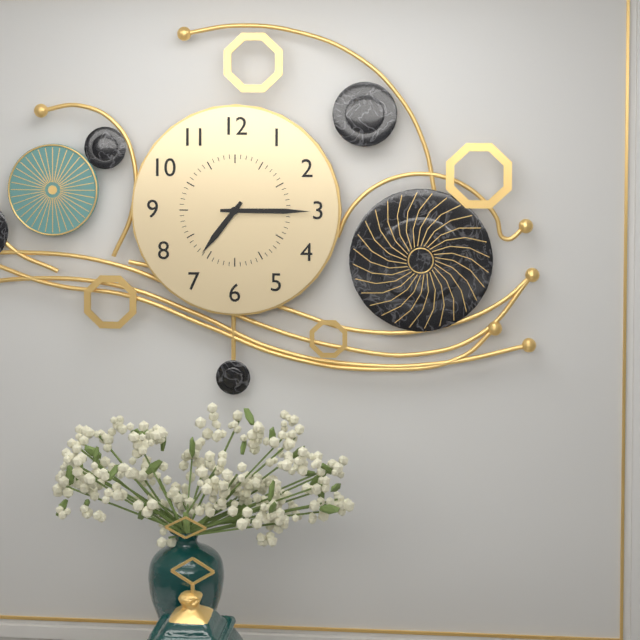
7,15
